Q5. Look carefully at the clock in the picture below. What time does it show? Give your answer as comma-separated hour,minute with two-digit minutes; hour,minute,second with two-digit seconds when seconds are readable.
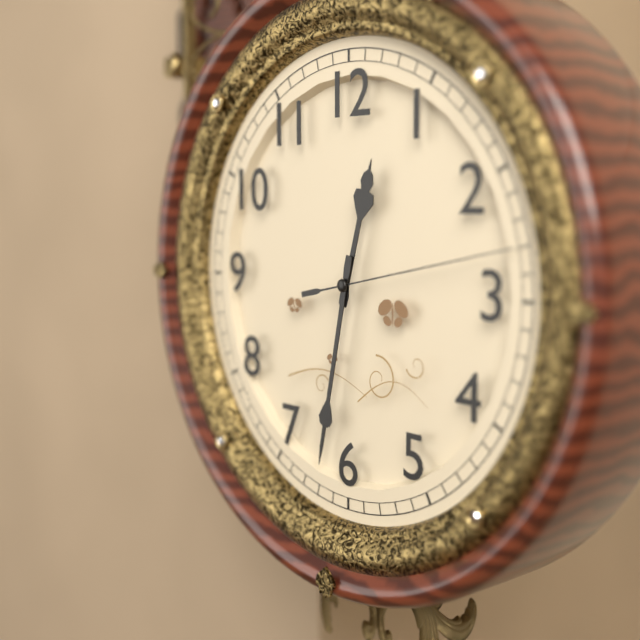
12,32,13
